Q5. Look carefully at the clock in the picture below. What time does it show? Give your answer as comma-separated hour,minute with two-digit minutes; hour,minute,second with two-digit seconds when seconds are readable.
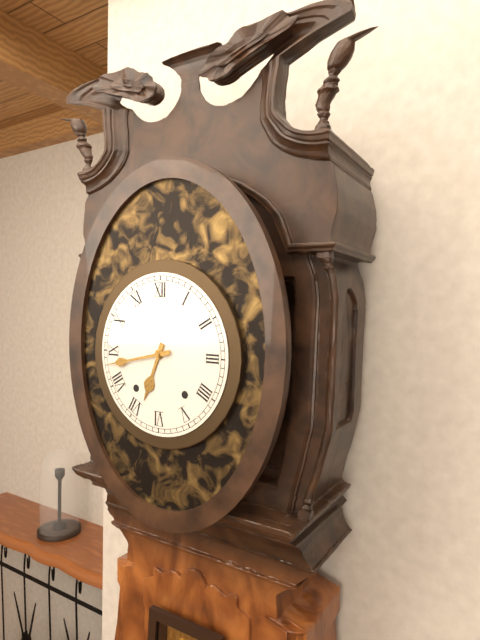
6,43
